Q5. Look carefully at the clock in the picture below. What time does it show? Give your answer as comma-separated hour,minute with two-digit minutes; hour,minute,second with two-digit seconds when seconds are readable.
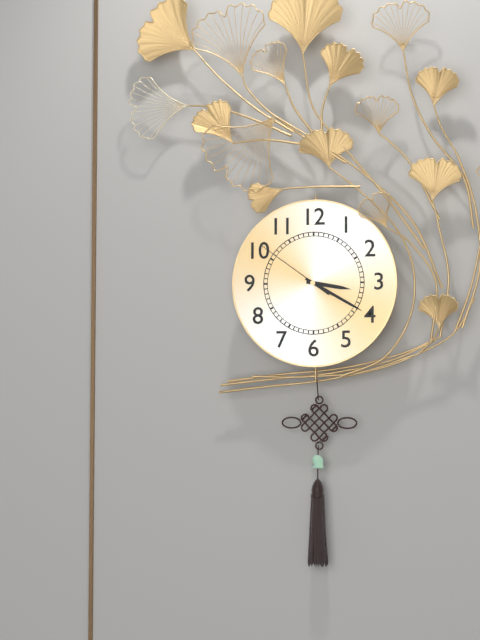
3,20,51
